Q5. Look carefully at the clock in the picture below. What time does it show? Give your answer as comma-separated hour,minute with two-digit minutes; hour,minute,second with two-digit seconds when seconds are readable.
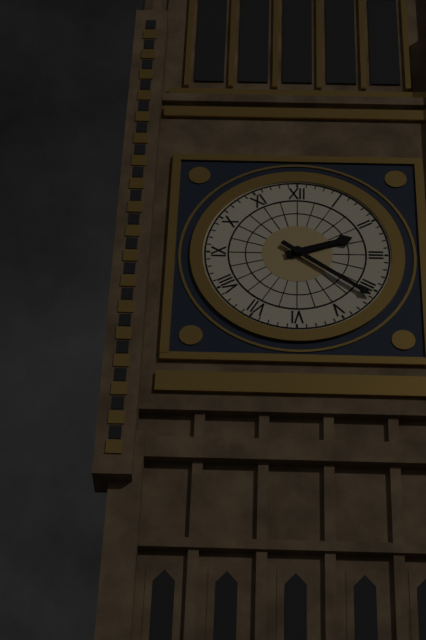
2,21
